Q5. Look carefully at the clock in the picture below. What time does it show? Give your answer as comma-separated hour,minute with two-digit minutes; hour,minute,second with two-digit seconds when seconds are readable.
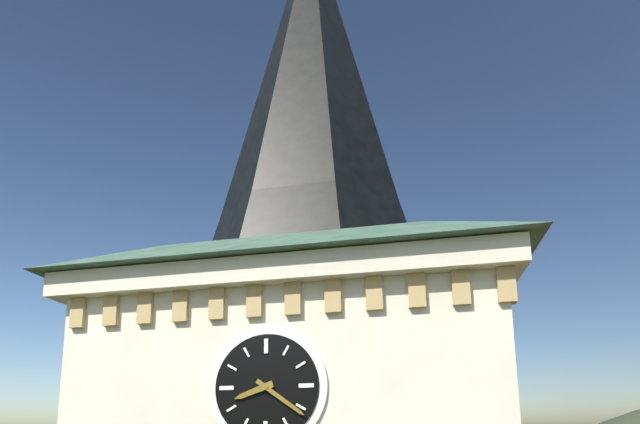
8,21
